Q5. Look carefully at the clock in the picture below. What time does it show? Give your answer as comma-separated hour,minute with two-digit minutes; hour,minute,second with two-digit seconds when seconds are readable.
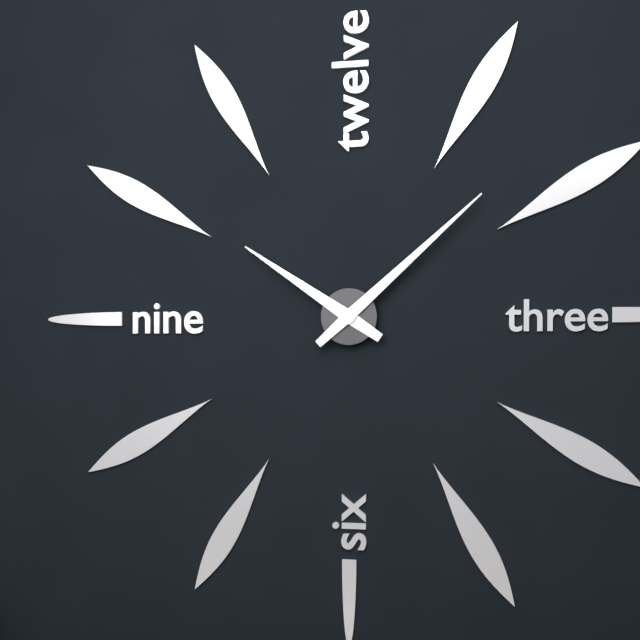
10,08
